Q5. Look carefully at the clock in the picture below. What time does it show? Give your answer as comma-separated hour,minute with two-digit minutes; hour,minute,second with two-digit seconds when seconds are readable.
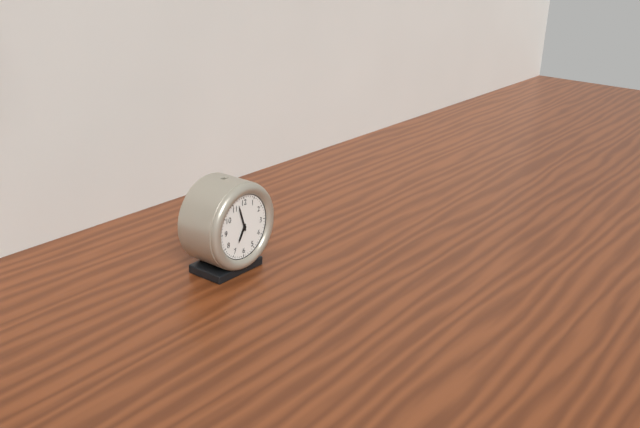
6,57
